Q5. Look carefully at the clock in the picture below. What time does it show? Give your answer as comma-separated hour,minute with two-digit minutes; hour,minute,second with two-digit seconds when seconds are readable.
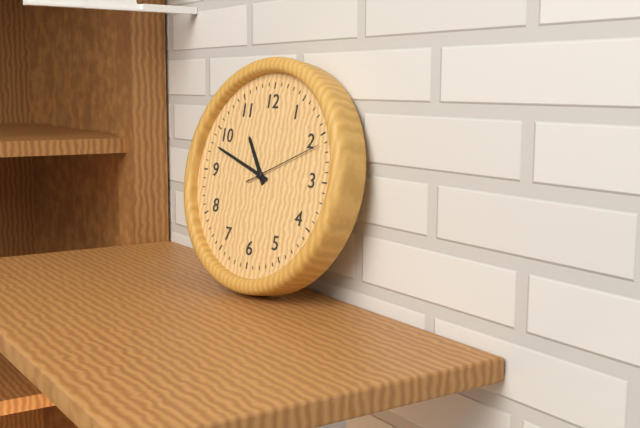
10,48,11
